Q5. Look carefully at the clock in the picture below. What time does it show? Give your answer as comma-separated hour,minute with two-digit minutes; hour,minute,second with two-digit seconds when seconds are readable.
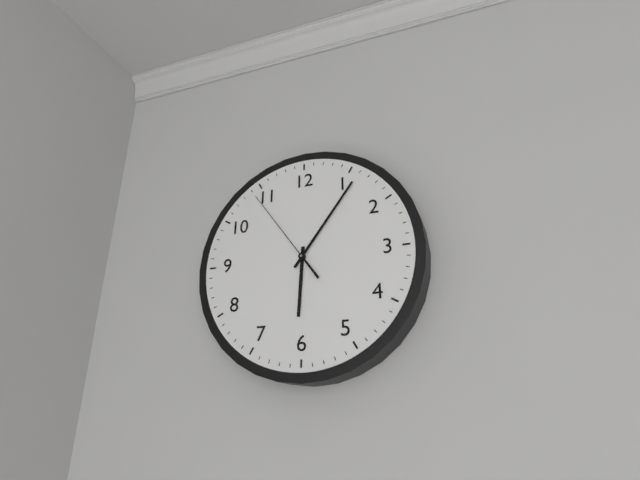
6,06,54
